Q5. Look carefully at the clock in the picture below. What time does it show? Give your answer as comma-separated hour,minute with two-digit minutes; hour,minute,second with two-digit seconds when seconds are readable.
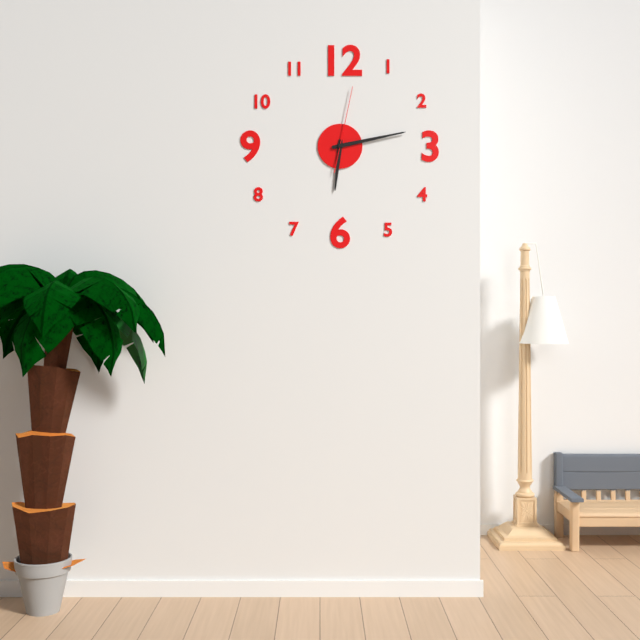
6,13,02
